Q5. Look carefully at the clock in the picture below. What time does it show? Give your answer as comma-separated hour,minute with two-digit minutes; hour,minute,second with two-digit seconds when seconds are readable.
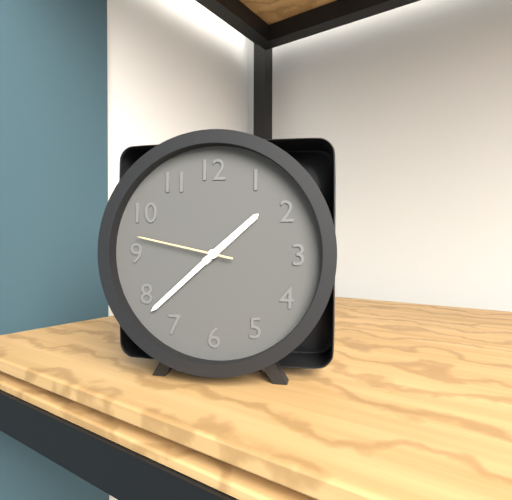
1,38,47
